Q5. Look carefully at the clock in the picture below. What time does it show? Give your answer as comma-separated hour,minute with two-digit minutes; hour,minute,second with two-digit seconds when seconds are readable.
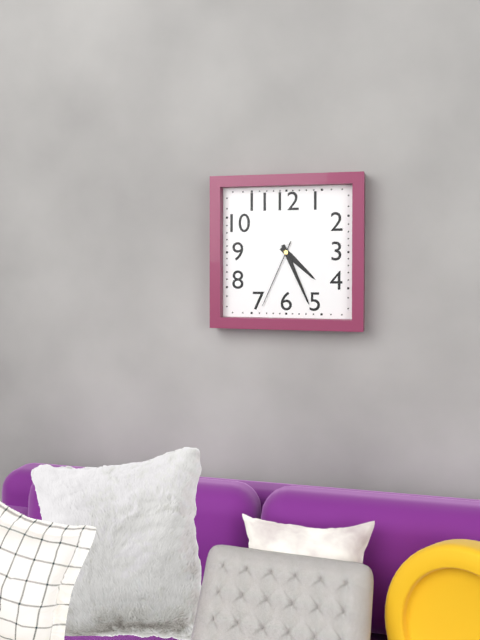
4,26,34
